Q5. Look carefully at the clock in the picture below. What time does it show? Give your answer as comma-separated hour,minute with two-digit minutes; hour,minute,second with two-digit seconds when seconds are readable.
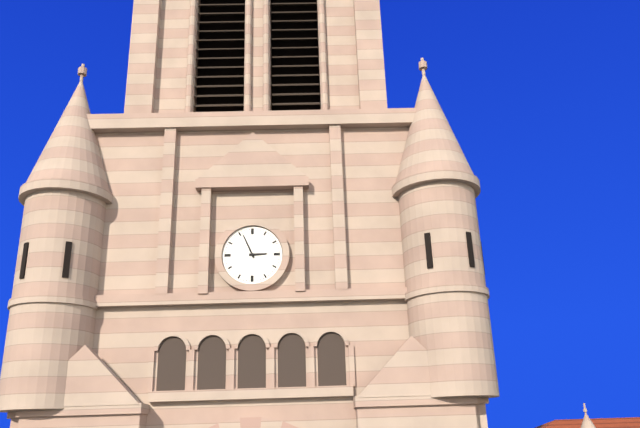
2,56
